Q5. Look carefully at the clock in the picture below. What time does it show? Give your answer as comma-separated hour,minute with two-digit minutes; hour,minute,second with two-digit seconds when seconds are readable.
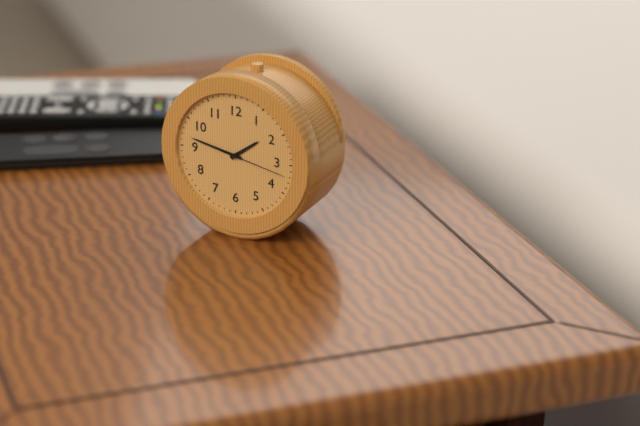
1,47,17
